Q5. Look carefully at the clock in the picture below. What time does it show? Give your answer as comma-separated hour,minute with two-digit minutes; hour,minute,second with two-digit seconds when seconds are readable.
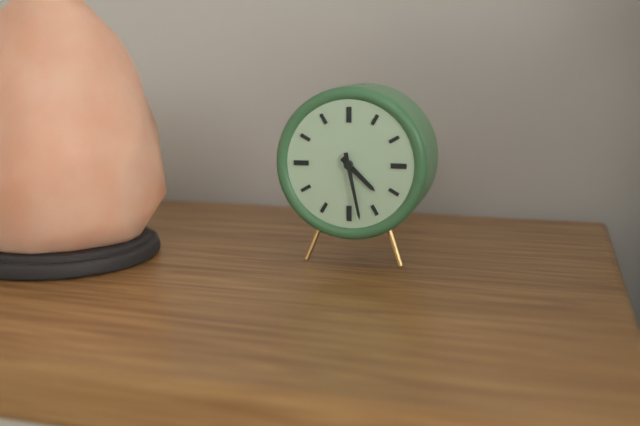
4,28
